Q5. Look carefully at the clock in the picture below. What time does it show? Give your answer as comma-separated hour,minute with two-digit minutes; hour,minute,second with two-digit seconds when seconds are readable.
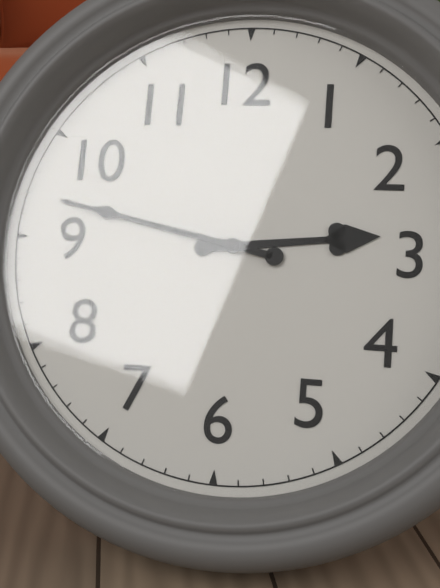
2,47
